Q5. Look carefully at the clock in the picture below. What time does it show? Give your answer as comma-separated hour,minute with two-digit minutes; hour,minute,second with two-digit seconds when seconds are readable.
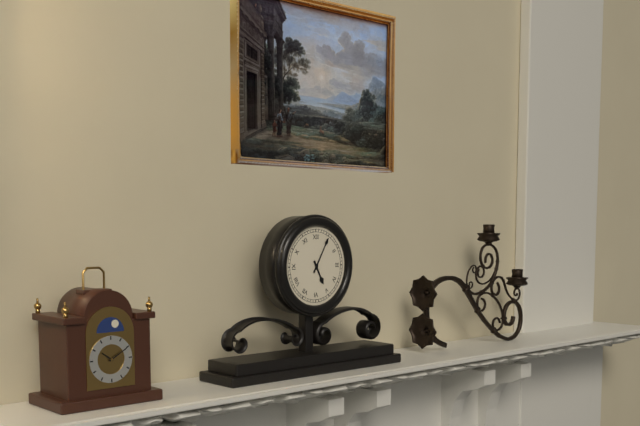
5,05
